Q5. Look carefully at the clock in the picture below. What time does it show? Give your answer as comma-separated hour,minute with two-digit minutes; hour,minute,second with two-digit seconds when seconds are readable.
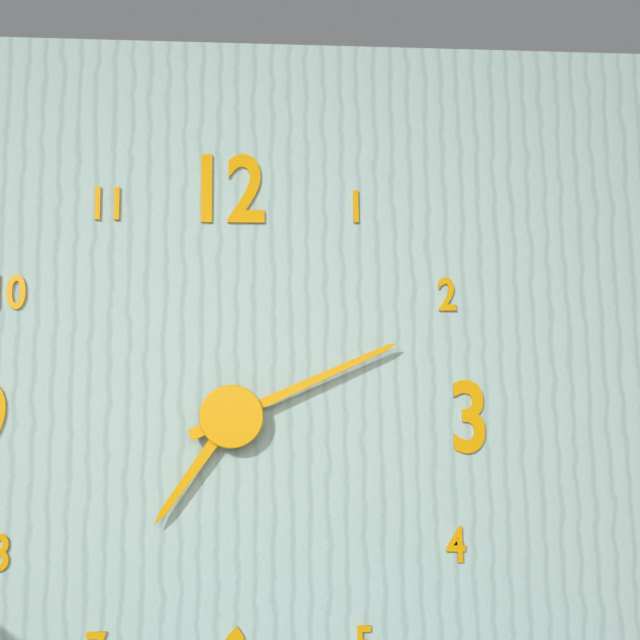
7,11
